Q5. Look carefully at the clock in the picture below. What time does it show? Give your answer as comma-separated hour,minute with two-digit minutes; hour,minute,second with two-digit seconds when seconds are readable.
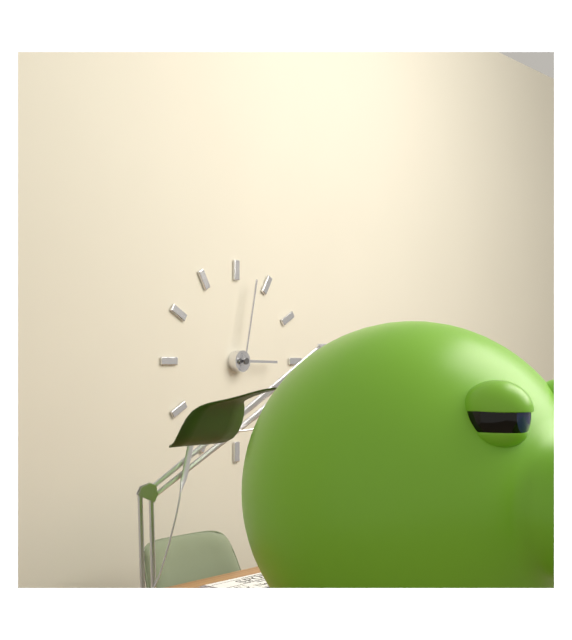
3,02
